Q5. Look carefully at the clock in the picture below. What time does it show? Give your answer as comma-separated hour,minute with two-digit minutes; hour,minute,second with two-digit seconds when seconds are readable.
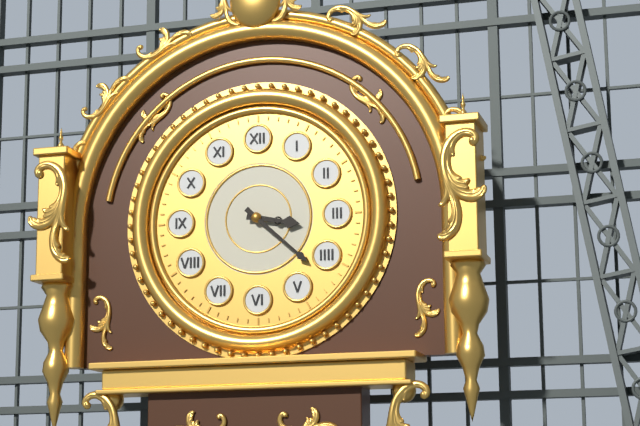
3,22
